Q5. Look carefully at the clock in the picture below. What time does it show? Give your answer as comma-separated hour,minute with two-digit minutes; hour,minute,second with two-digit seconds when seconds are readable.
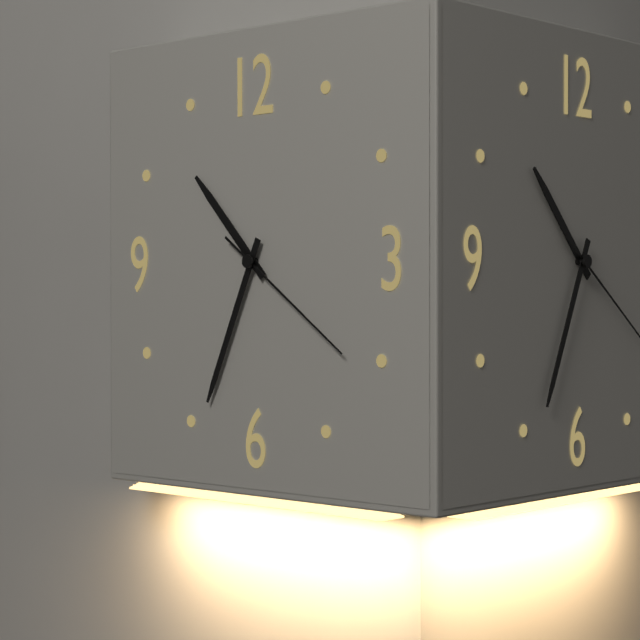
10,34,21
